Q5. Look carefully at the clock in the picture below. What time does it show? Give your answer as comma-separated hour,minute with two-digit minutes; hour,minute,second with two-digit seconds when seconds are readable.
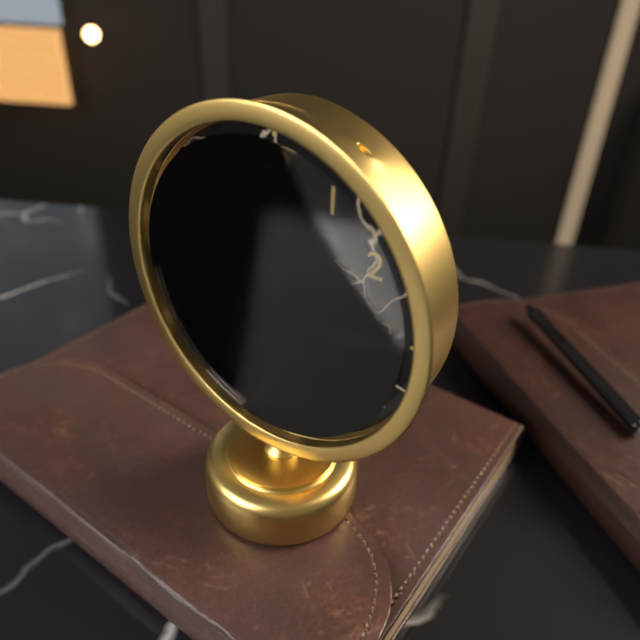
2,23,27
